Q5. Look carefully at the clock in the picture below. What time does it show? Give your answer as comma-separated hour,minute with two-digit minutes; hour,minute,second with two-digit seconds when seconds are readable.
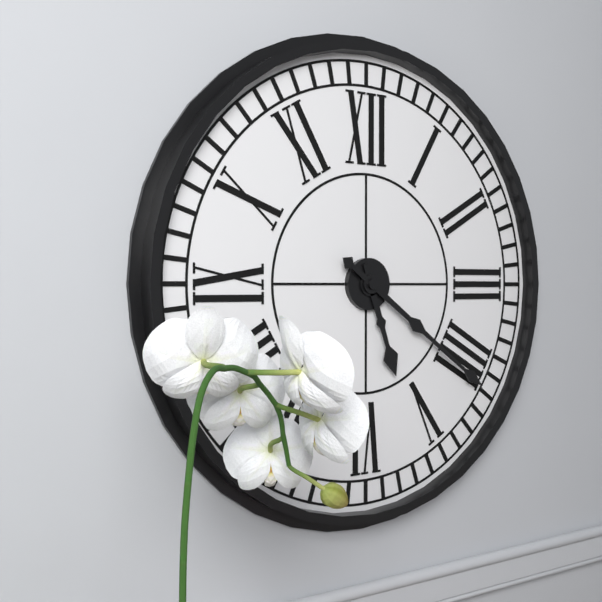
5,21
